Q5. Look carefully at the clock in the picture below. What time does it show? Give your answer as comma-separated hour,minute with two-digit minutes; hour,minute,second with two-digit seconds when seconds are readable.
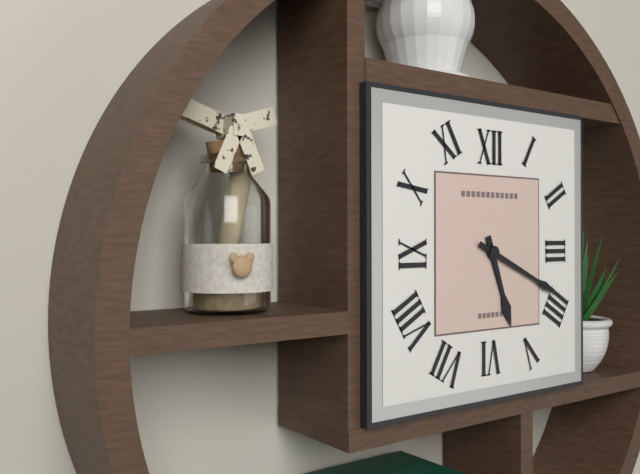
5,19
